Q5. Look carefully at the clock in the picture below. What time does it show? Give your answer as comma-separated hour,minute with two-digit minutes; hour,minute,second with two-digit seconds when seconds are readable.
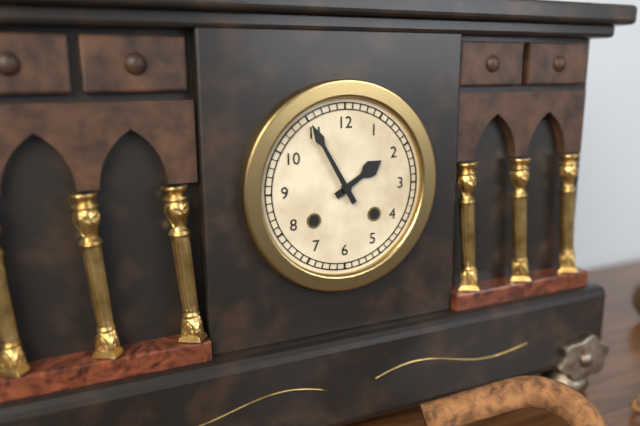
1,55
